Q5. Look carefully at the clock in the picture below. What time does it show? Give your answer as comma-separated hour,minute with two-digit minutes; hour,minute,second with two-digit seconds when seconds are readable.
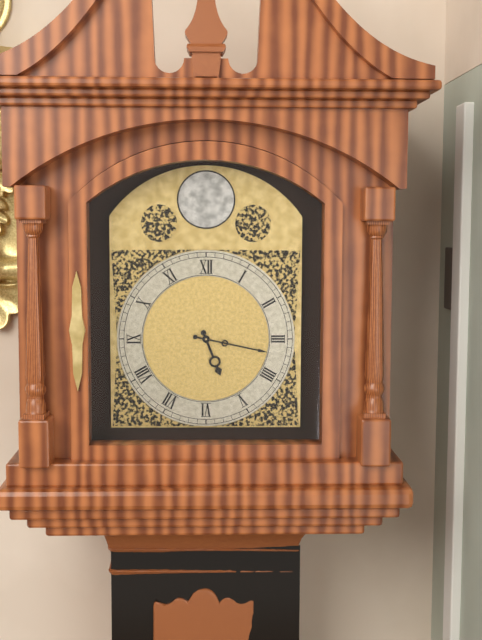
5,17
